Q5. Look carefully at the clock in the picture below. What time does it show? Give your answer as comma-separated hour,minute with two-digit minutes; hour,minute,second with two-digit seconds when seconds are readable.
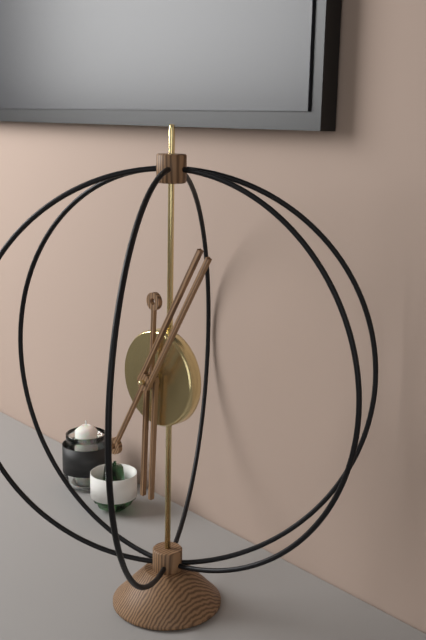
6,05
